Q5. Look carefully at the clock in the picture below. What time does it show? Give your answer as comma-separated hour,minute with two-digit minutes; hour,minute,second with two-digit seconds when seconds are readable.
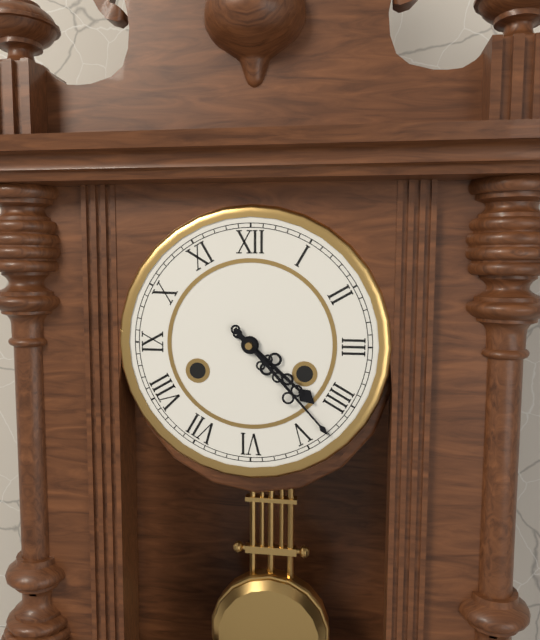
4,23
